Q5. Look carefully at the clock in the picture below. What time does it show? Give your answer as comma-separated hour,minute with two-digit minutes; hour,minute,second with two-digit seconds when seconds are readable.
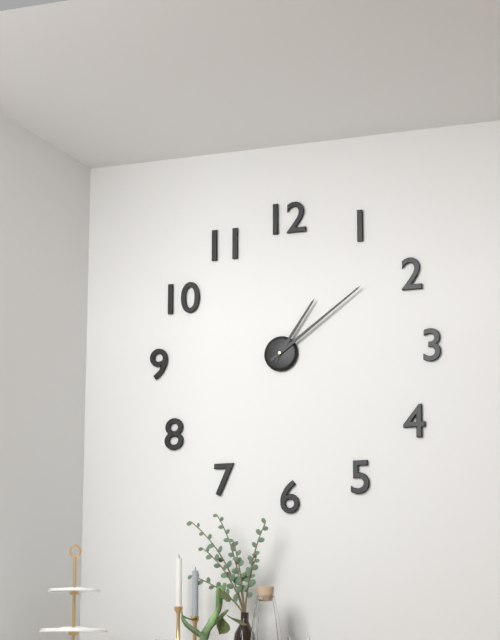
1,09
